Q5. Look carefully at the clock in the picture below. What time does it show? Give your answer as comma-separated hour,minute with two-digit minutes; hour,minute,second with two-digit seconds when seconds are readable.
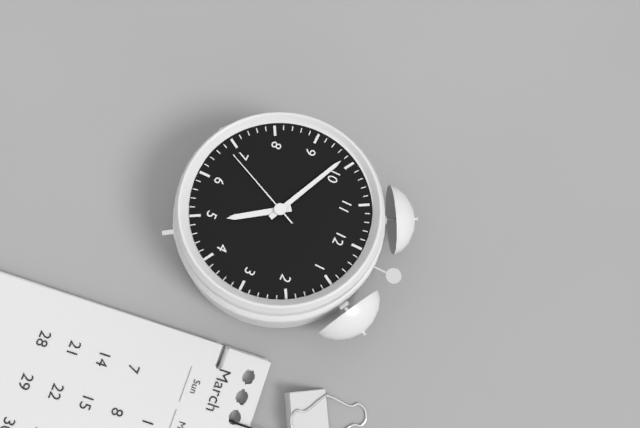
4,49,34
